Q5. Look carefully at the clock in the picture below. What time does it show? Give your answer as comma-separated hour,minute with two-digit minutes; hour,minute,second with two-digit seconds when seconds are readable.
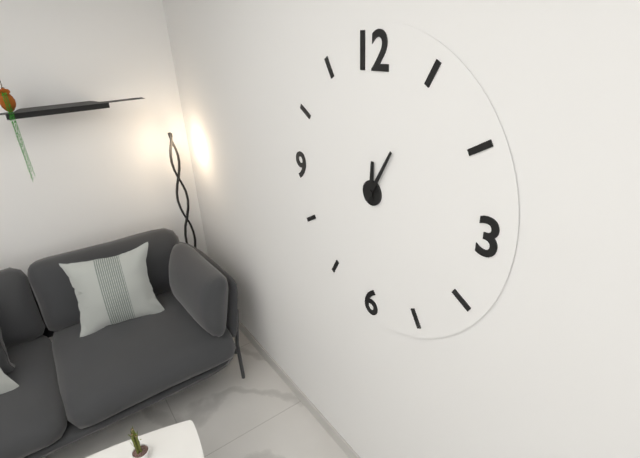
12,05
